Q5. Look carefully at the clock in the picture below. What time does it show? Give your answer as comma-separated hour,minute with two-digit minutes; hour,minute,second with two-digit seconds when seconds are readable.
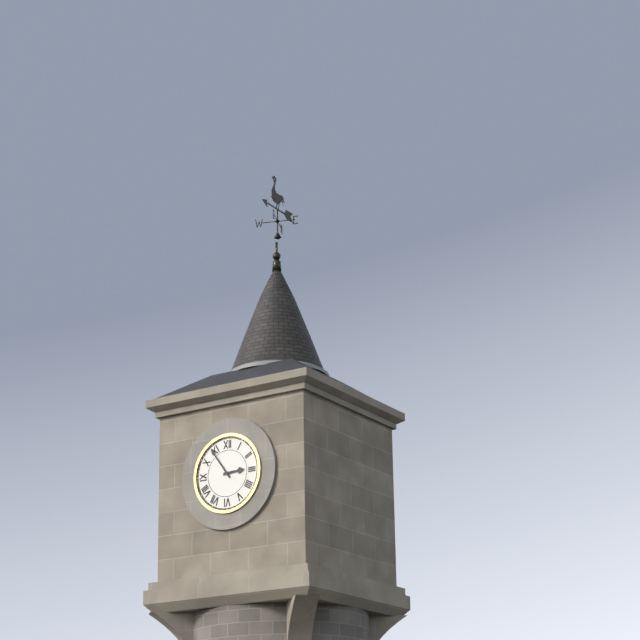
2,54
